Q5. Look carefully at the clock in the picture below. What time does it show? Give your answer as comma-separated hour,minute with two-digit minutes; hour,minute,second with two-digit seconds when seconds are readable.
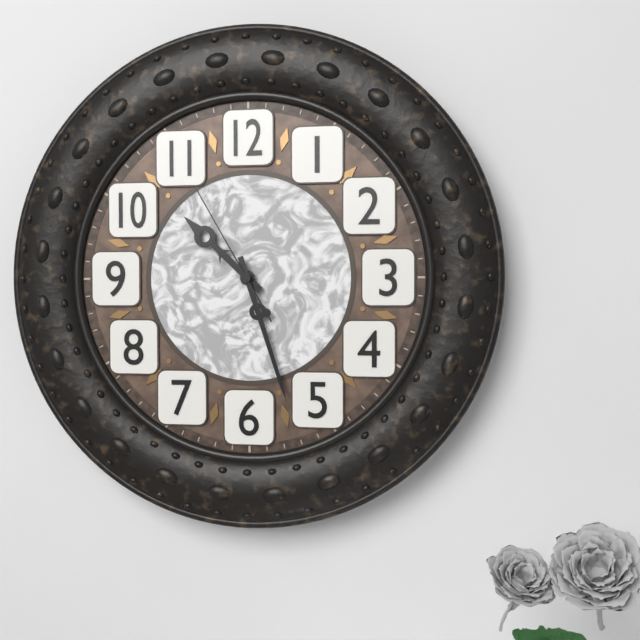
10,27,55
